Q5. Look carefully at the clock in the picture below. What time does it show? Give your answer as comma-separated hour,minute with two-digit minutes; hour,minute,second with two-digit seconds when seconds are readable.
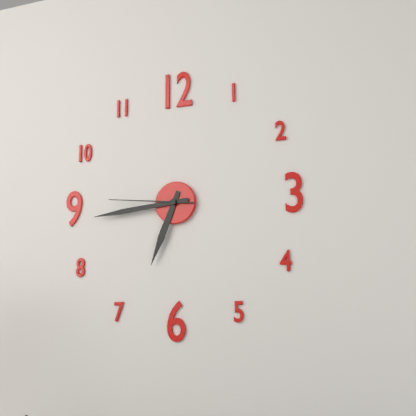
6,44,46
